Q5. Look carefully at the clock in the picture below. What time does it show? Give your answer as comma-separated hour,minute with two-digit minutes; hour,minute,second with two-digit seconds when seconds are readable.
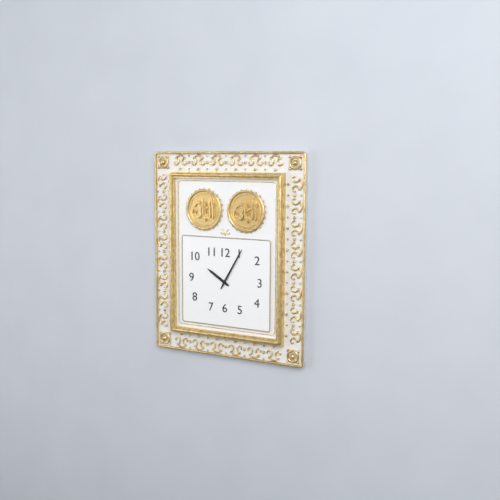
10,05
